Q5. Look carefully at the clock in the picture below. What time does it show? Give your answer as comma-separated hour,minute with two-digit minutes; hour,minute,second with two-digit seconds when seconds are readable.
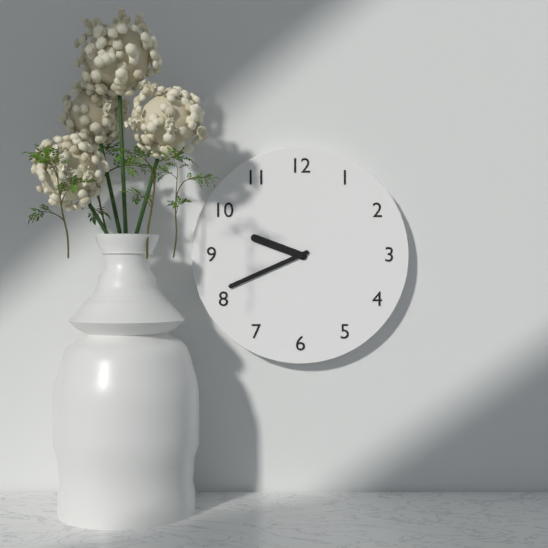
9,41
